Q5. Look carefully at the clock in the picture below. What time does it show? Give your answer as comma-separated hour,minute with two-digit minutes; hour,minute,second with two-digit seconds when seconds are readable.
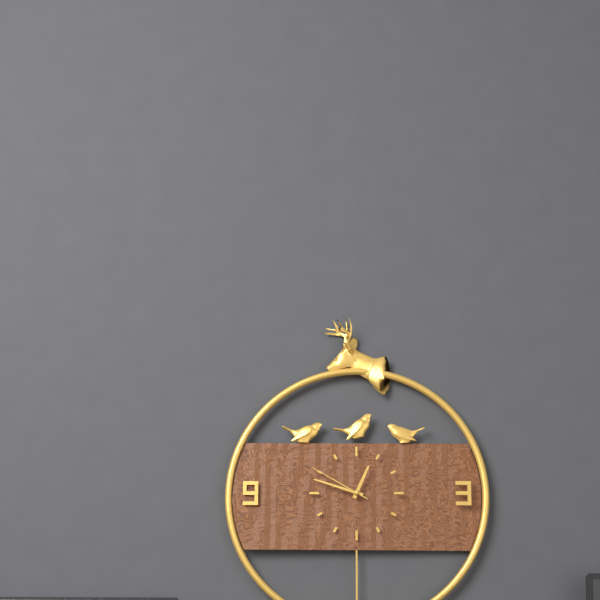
12,48,50
